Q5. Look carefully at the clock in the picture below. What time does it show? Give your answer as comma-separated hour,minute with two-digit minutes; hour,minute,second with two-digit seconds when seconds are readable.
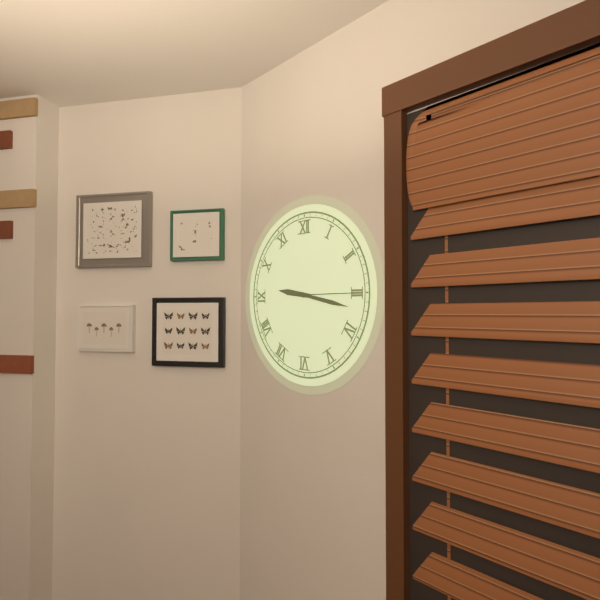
9,17,15
